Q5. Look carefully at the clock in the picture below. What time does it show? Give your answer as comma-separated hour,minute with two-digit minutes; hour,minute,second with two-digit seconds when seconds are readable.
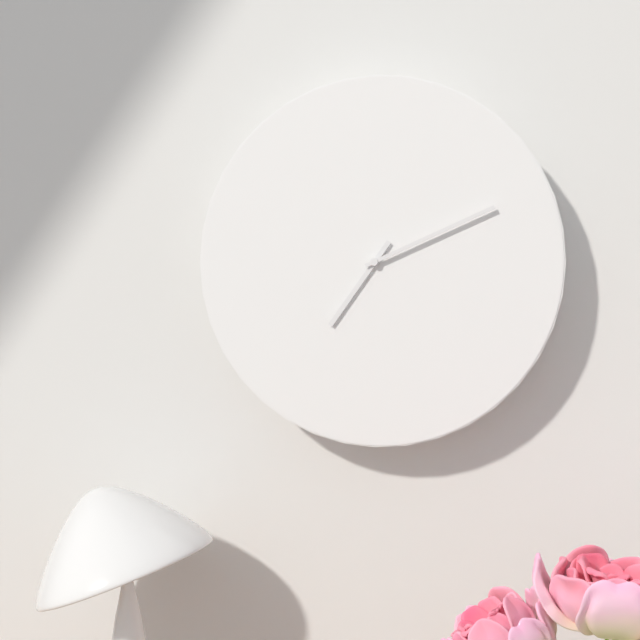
7,11
